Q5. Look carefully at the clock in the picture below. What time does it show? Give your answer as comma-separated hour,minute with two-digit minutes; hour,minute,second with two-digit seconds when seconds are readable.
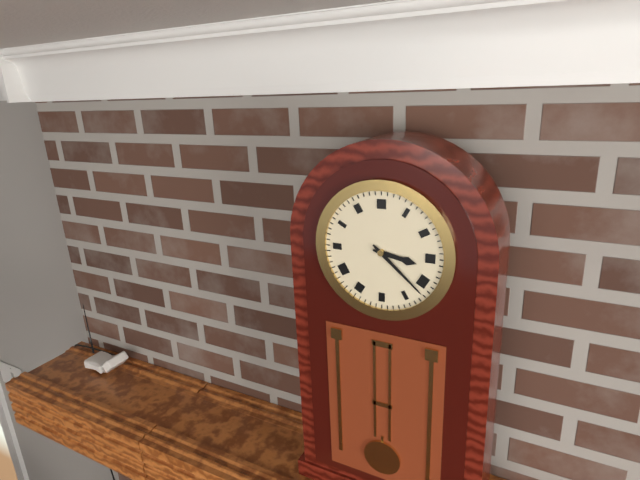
3,22
